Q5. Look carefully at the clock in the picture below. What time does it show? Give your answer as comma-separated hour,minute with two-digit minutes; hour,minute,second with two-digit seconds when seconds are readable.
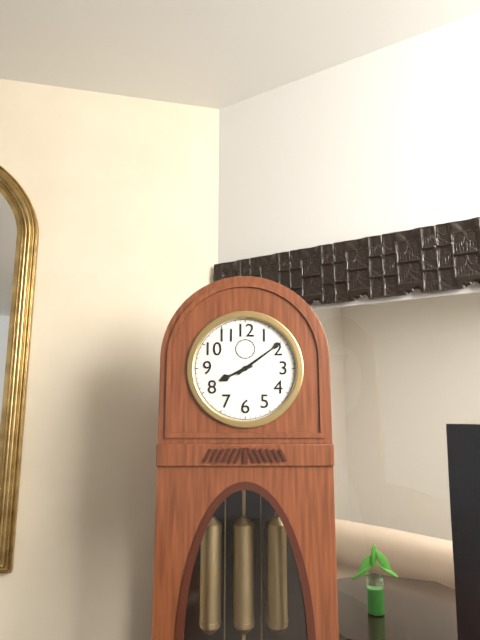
8,09
